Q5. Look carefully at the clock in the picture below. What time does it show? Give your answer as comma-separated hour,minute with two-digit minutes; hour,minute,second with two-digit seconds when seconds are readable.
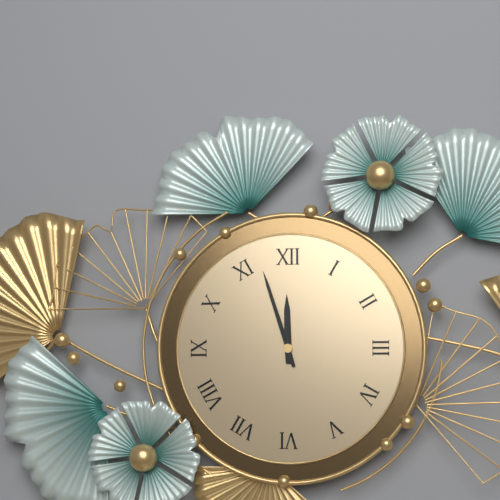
11,57
